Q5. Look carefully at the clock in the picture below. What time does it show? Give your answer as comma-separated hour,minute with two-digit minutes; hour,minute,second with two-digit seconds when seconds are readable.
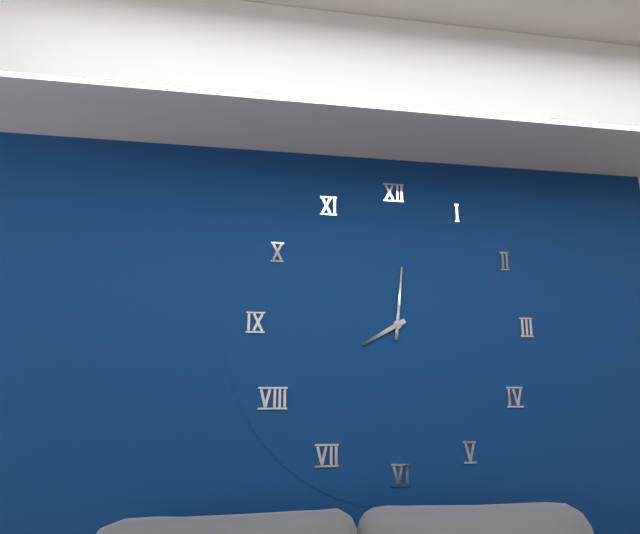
8,01
